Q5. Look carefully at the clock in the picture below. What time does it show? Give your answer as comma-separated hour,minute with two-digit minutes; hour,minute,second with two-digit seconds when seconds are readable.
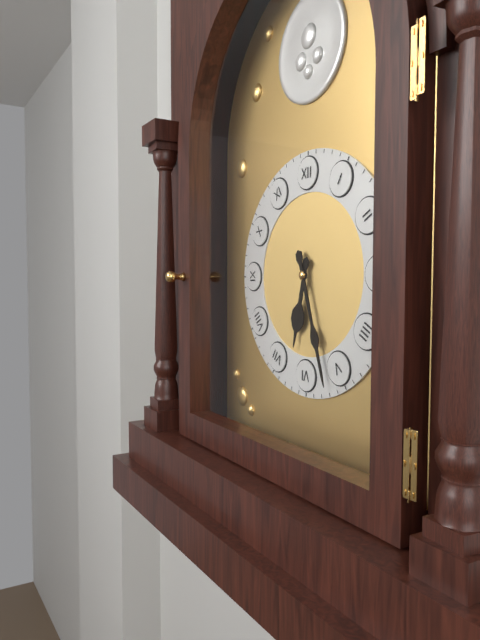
6,27
